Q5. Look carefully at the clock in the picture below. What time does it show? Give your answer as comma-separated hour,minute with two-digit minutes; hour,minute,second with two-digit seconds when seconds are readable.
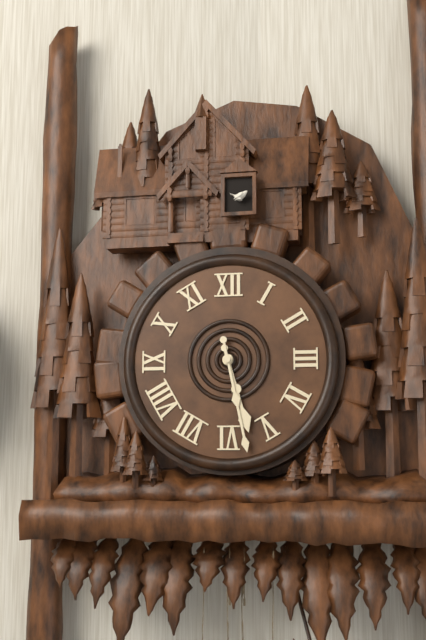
5,28
